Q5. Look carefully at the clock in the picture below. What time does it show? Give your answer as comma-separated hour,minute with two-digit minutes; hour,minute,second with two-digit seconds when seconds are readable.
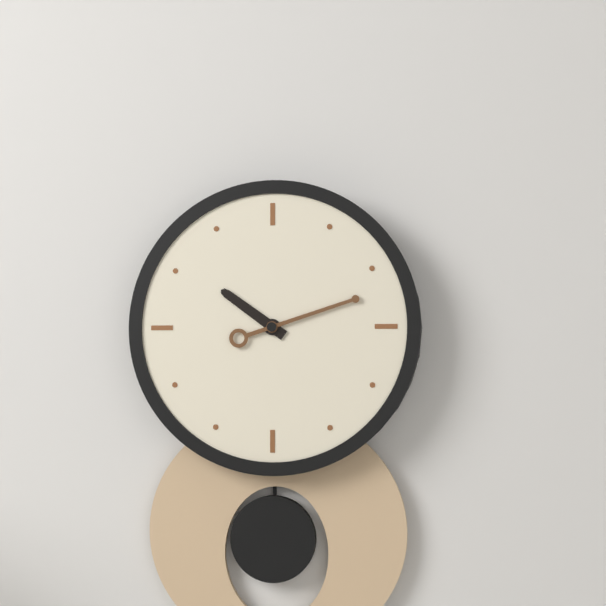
10,12
